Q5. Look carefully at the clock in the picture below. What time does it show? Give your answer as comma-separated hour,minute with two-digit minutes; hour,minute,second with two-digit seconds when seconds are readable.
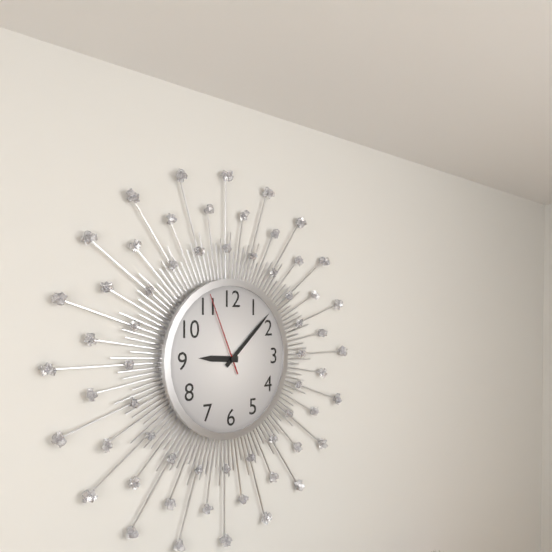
9,08,56
